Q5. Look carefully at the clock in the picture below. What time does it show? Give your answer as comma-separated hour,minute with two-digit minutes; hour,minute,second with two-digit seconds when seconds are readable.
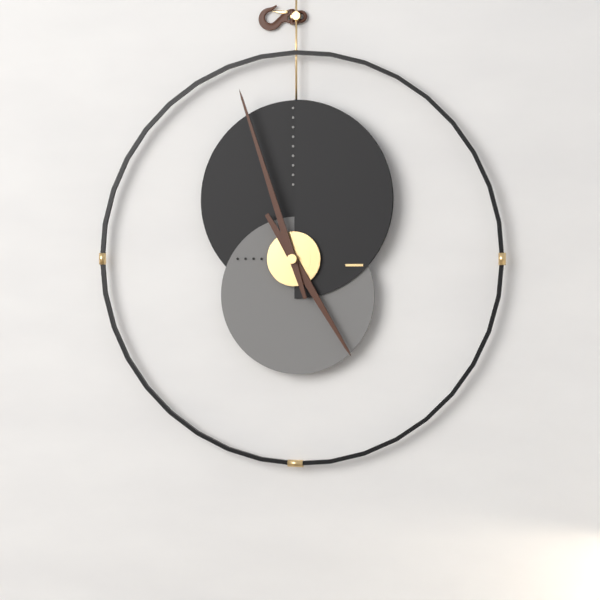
4,57
